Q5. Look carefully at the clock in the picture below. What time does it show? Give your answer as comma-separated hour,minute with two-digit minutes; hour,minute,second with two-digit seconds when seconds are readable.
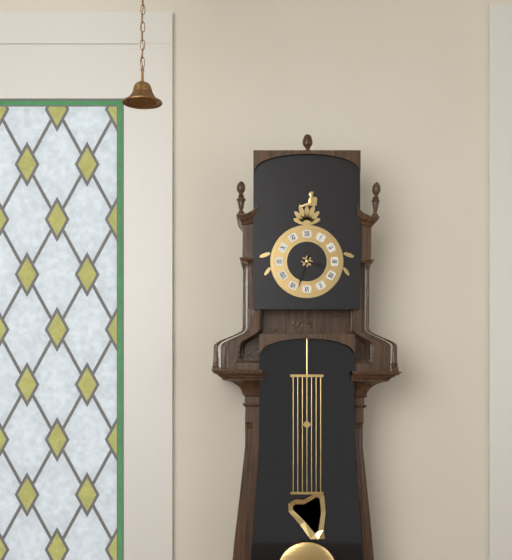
3,33
